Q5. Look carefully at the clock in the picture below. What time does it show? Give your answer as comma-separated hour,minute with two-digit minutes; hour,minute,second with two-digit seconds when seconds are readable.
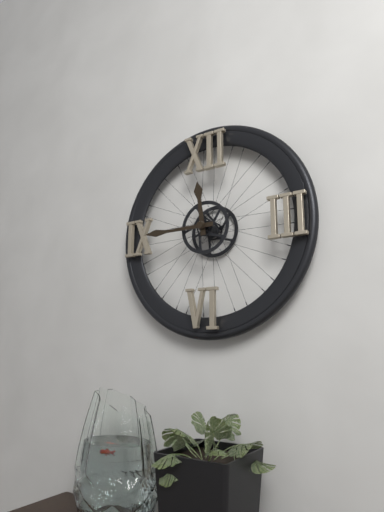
11,45
